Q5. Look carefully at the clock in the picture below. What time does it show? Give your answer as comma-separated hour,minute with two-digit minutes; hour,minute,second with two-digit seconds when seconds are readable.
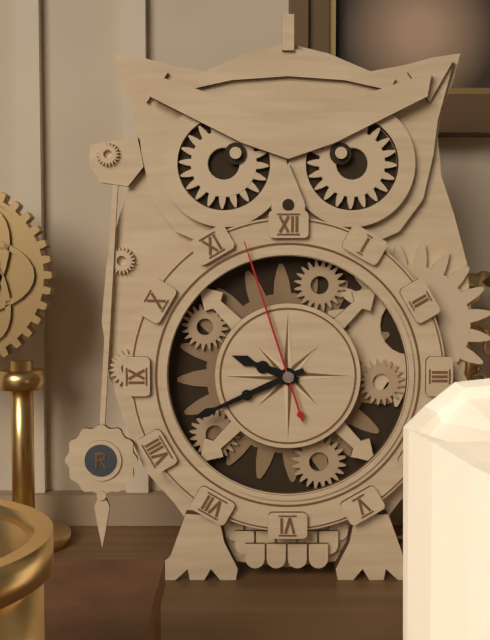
9,41,57
